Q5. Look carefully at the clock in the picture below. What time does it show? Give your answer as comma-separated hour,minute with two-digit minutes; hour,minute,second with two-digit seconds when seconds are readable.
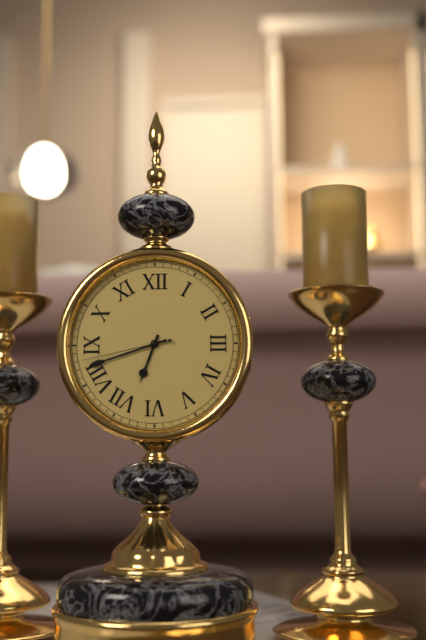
6,42,43
